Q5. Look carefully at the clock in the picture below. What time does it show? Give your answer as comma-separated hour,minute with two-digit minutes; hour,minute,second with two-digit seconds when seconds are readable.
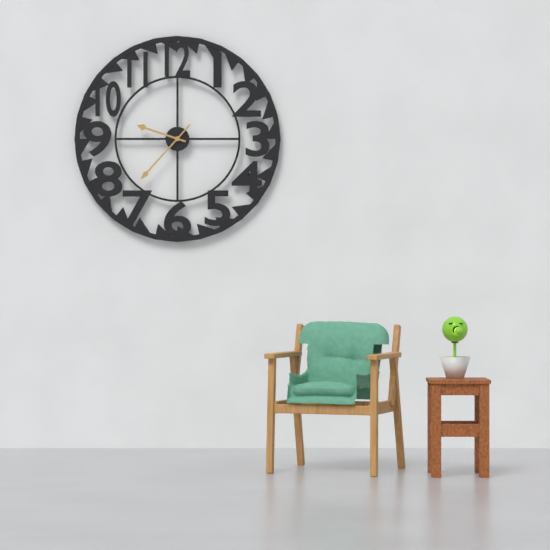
9,37
